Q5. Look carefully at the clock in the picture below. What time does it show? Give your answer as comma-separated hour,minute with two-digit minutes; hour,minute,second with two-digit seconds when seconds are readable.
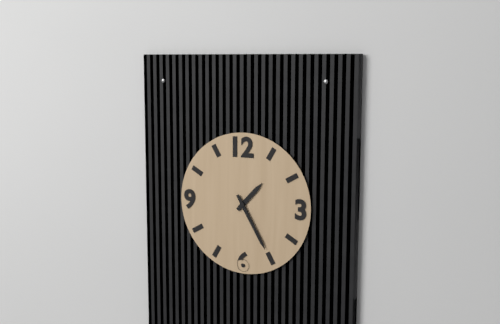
1,25
